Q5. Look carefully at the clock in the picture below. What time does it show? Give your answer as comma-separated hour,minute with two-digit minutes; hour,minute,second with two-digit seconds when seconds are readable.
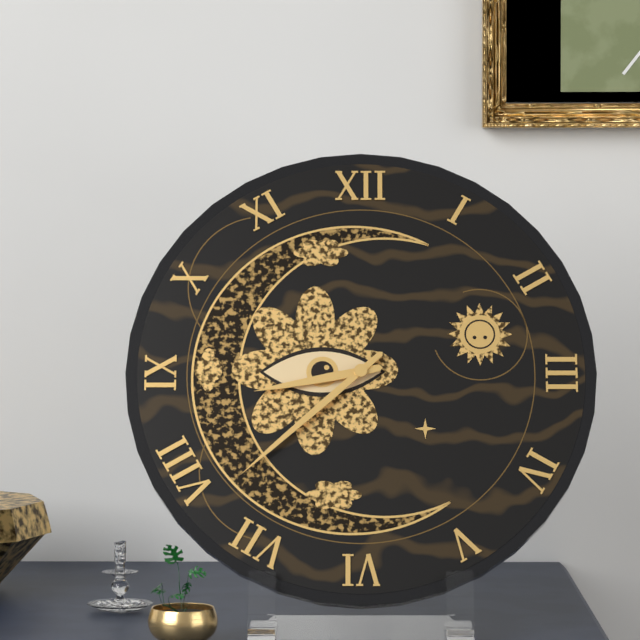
8,38
